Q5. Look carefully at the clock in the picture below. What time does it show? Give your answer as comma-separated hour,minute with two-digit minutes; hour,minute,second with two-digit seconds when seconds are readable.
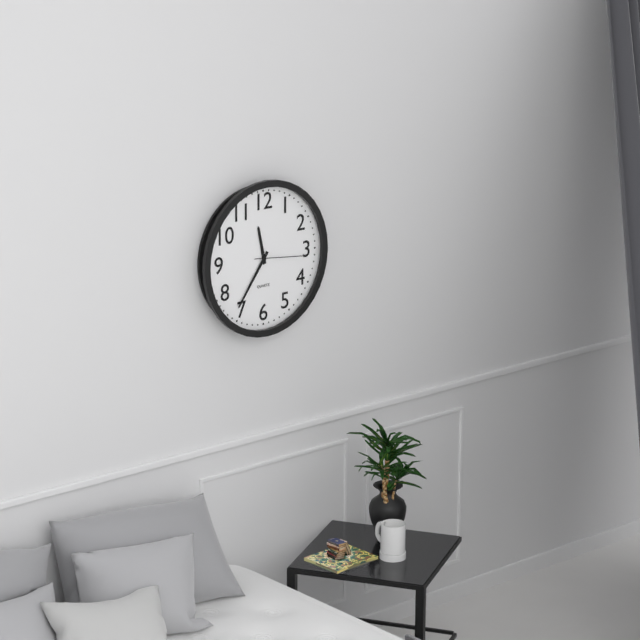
11,36,16
